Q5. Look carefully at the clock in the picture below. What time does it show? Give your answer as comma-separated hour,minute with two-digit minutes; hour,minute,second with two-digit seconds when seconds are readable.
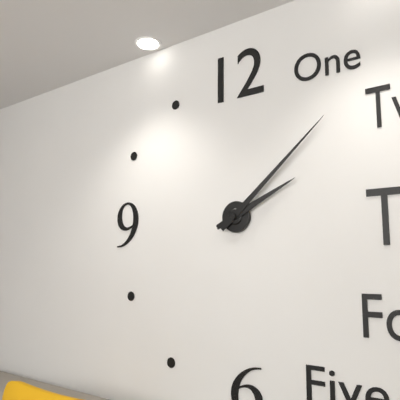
2,08
